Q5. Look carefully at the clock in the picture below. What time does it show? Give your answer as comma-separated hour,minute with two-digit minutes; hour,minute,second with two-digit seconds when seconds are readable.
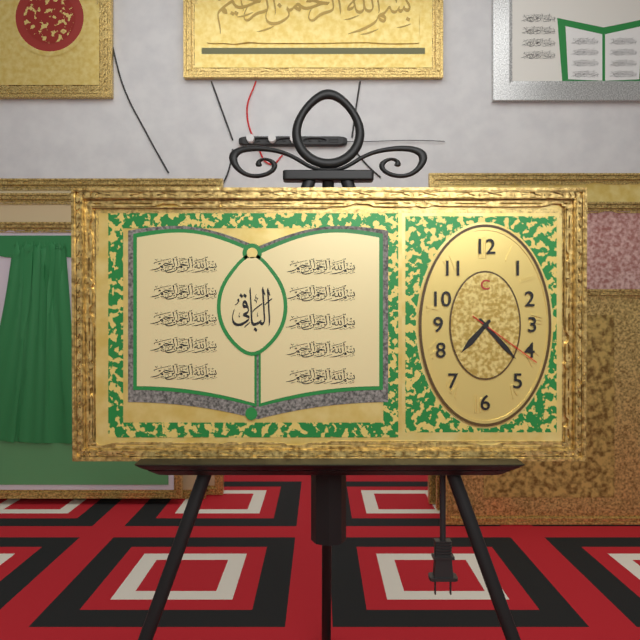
7,23,21
